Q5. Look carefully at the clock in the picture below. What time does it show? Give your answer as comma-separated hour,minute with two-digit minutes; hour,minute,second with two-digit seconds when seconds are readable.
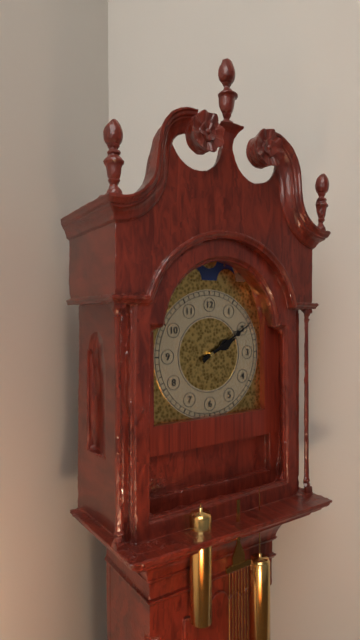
2,10
